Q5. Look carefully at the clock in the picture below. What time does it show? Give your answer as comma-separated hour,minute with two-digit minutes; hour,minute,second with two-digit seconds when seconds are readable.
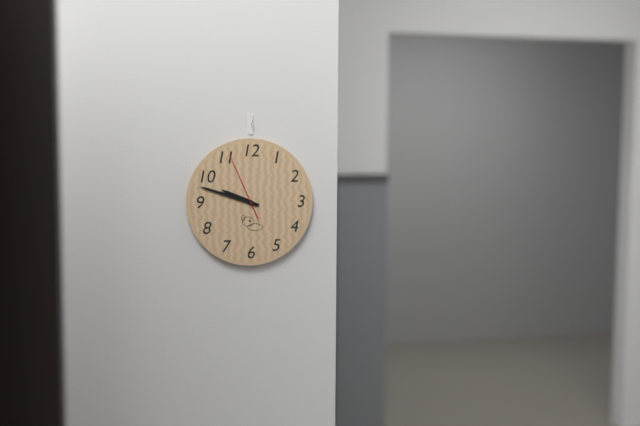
9,48,56
